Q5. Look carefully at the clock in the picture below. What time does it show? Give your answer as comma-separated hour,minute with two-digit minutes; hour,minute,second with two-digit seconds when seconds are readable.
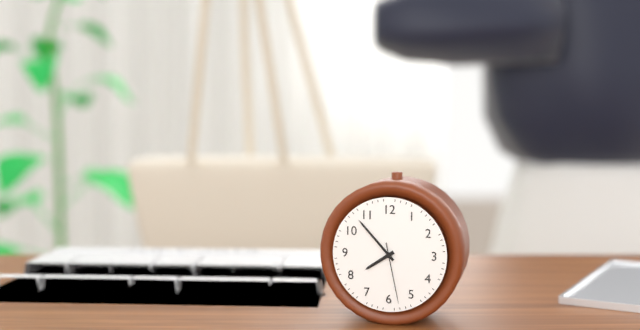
7,53,28
